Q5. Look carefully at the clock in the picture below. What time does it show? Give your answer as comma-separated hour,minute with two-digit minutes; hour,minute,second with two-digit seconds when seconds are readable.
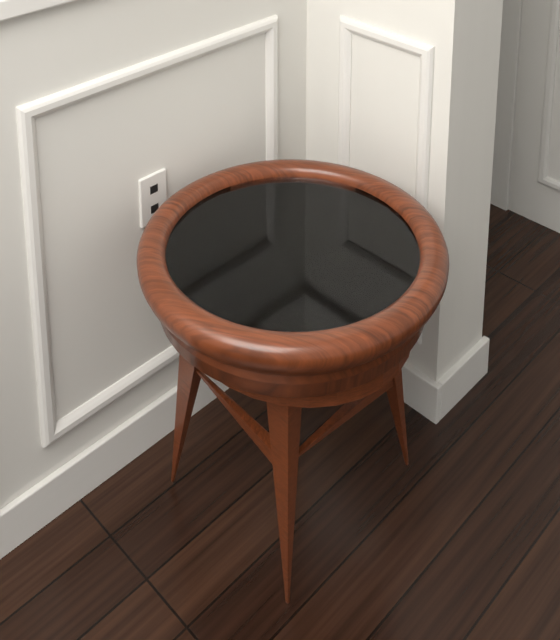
10,52
